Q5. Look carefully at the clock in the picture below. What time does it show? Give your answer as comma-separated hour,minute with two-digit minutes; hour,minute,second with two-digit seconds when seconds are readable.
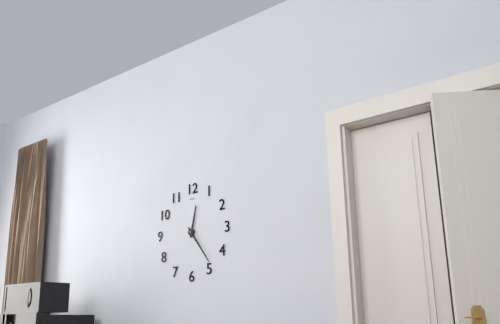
12,24
